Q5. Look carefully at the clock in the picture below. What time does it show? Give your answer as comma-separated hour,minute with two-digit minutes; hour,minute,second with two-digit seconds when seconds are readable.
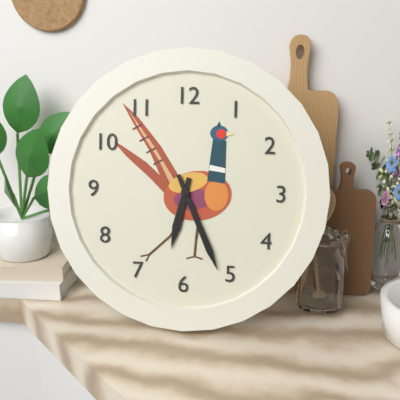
6,26
